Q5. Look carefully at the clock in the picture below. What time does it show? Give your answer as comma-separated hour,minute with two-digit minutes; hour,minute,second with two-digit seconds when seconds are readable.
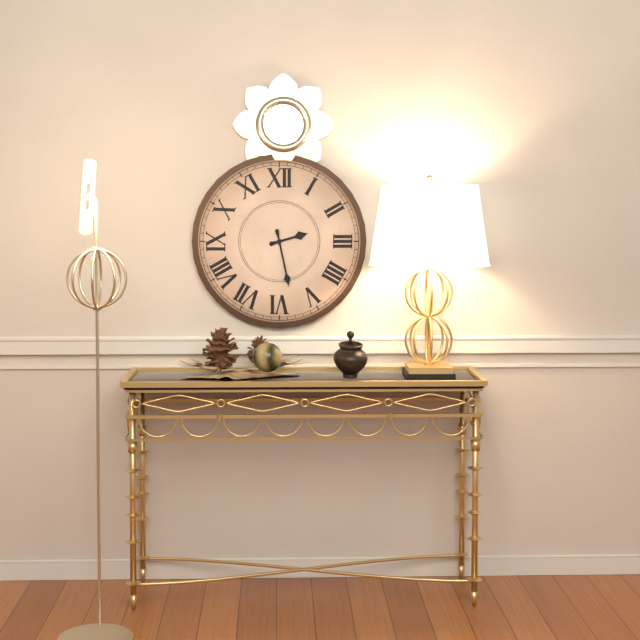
2,28
